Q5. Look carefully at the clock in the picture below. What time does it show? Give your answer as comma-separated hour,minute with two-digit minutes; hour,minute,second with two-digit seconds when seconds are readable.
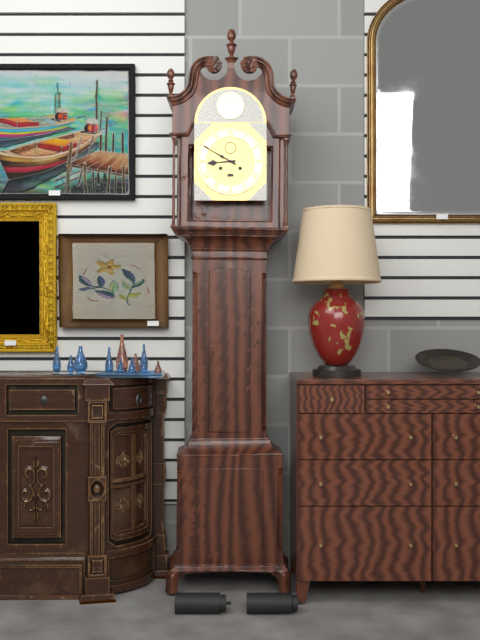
8,50
